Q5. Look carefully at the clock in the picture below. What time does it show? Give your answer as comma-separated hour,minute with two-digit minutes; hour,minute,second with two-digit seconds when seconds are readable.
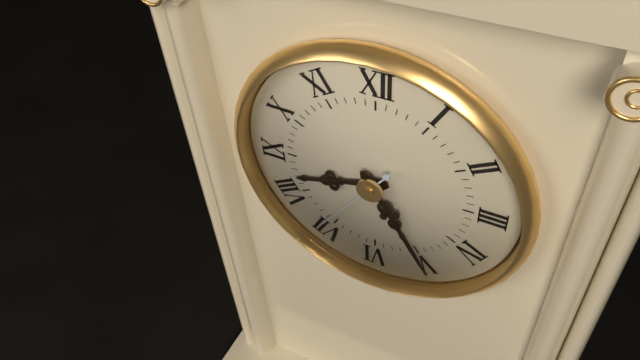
8,25,36
